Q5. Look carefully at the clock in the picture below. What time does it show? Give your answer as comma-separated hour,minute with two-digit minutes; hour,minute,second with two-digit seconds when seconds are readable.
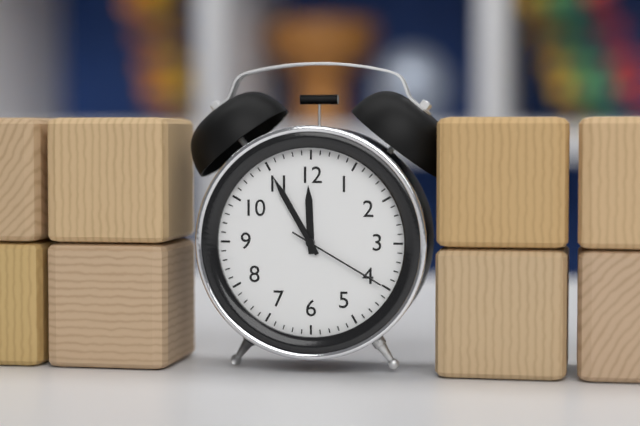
11,55,20
